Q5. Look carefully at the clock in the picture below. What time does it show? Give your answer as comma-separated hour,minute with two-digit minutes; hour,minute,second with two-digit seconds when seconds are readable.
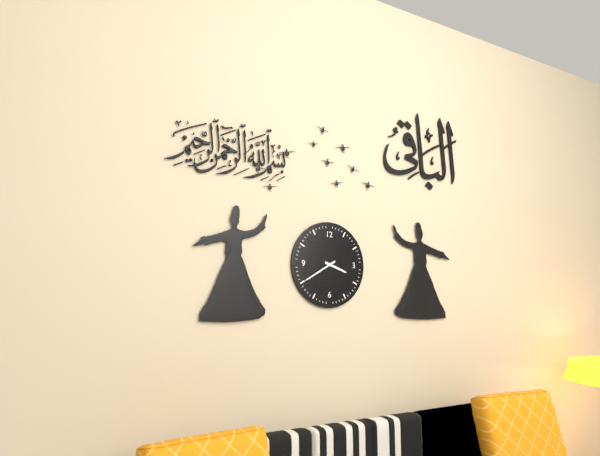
3,40
